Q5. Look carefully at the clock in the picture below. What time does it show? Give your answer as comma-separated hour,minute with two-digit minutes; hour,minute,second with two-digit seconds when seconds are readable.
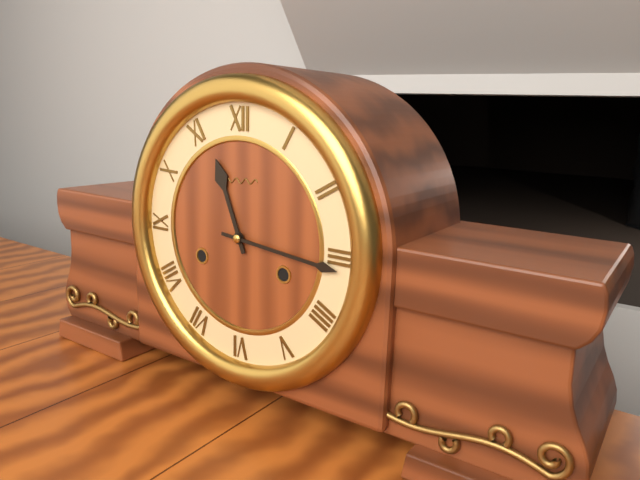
11,16
